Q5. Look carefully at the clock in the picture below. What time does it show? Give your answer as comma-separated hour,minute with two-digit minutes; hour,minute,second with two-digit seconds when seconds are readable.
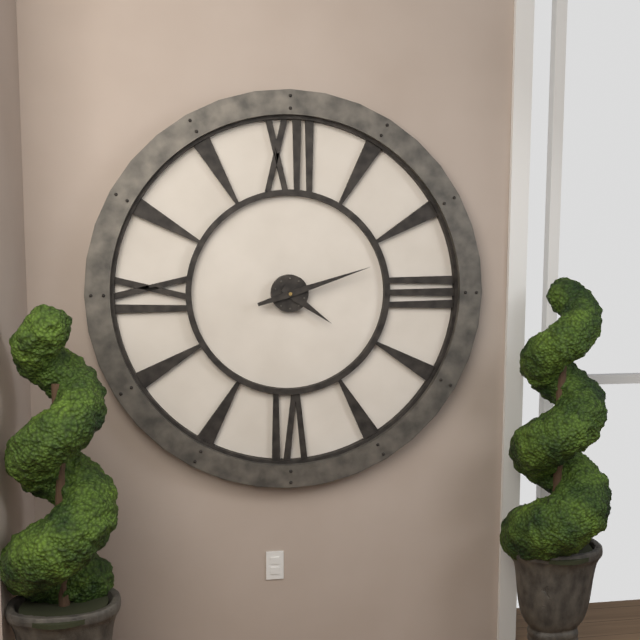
4,12
